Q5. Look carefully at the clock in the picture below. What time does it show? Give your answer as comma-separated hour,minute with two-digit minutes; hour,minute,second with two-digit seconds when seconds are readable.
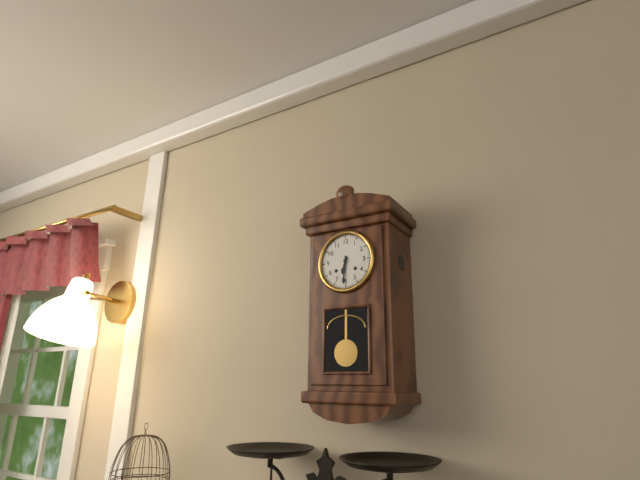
6,31
